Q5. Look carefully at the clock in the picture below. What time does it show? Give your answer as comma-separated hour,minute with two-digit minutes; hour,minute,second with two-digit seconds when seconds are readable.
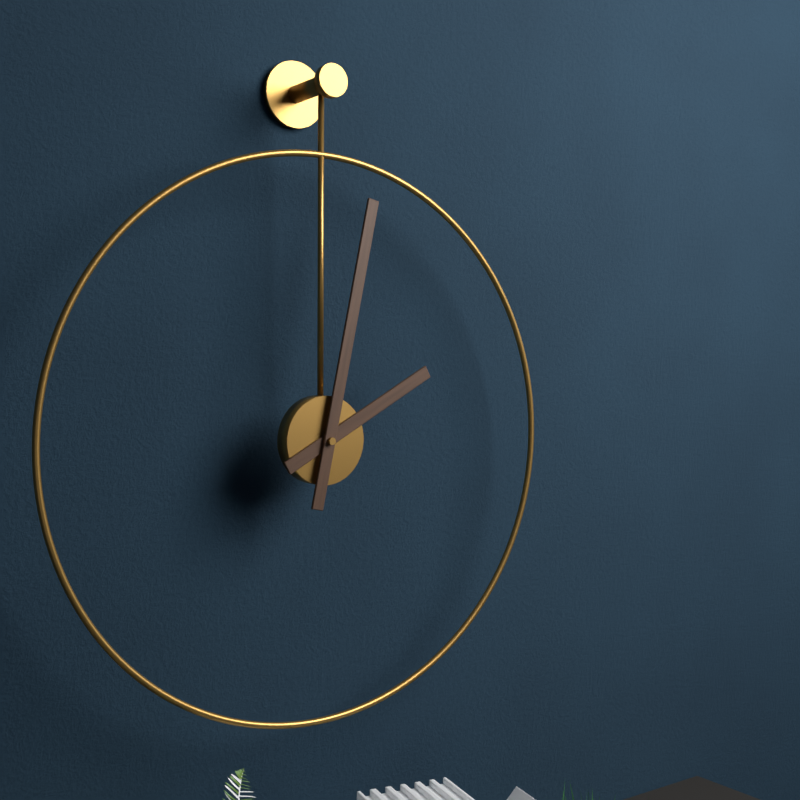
2,02
